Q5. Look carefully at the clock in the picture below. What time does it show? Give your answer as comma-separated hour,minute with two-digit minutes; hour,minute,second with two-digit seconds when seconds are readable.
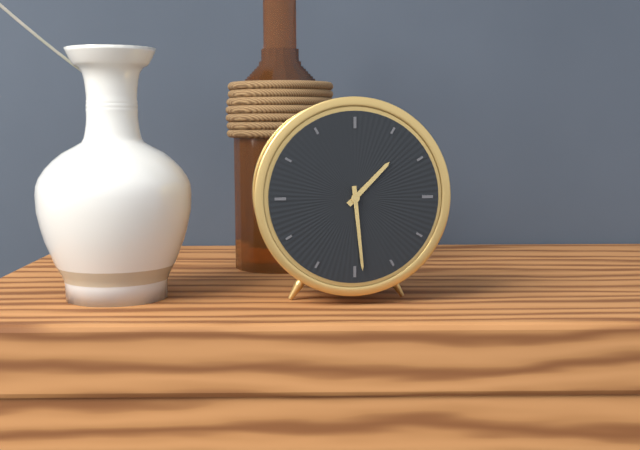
1,29
